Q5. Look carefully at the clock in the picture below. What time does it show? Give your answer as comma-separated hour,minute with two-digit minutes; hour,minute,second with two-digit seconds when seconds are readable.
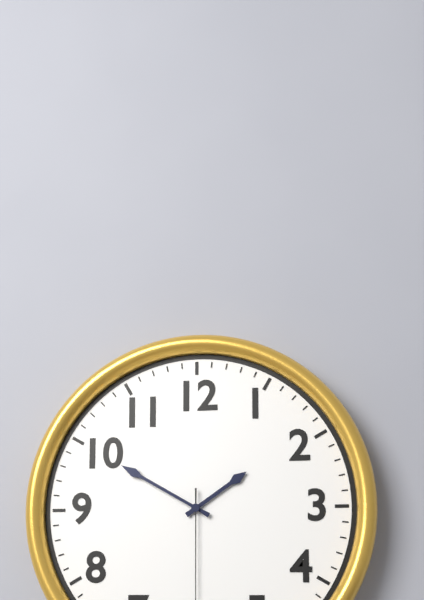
1,50
